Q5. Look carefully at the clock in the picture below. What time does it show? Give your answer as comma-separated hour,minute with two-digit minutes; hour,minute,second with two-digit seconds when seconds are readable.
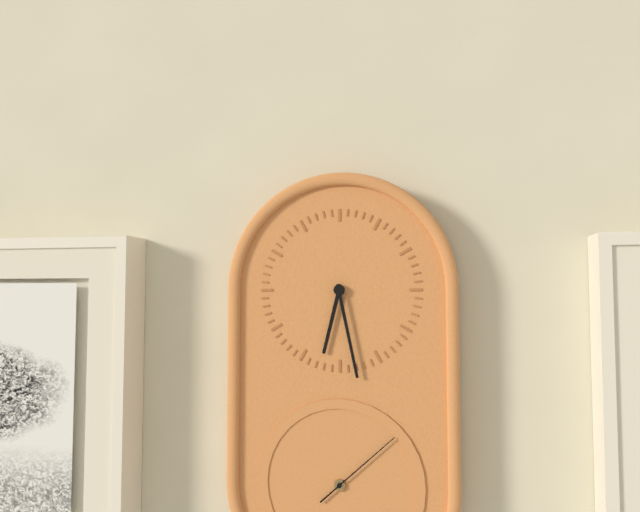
6,28,08
